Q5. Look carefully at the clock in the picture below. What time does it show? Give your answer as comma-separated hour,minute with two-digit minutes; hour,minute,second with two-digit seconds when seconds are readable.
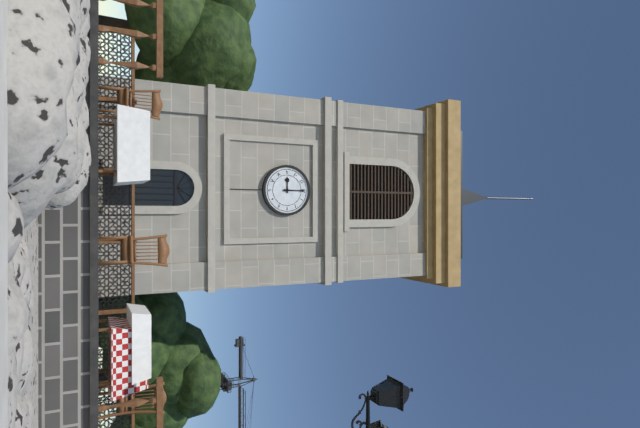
9,00
